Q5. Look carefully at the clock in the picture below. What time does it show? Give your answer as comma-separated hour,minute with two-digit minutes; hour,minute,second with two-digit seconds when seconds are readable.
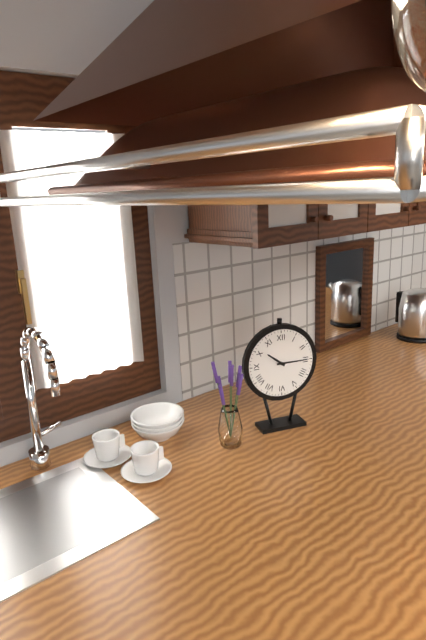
10,15
